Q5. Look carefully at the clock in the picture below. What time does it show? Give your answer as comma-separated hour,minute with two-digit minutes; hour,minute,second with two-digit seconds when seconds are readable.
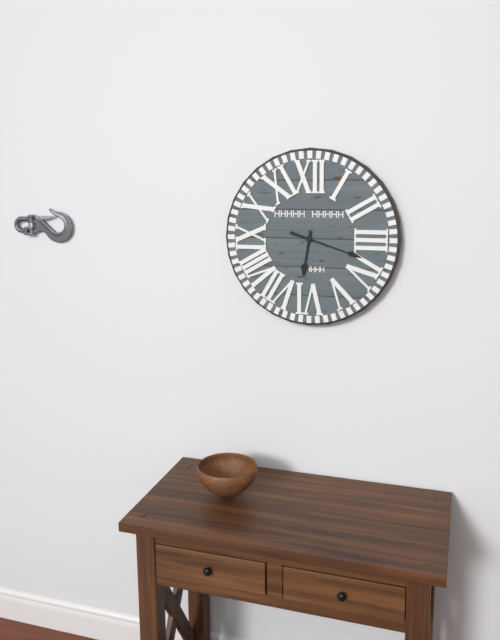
6,18
